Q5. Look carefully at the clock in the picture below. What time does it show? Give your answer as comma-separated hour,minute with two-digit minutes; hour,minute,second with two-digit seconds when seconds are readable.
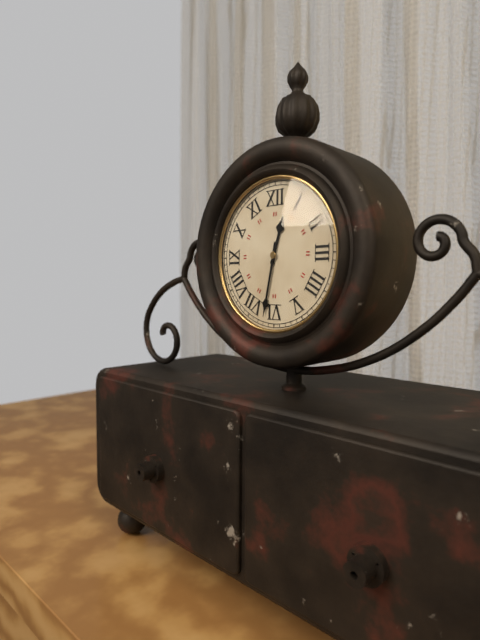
12,32
